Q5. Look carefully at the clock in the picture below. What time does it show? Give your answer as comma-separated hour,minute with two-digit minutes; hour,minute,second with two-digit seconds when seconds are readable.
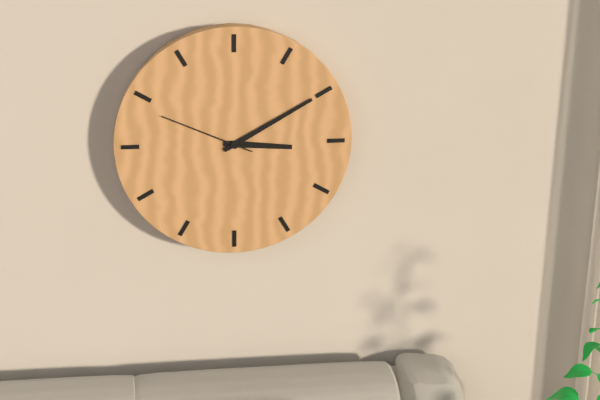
3,10,49
